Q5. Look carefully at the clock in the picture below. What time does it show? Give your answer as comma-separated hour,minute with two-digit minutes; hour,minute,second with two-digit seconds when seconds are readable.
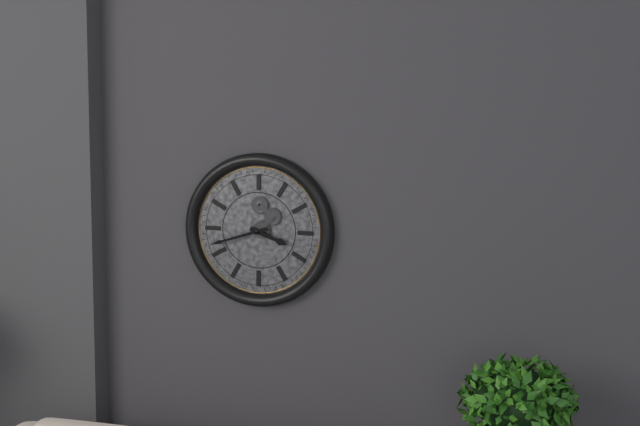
3,42
